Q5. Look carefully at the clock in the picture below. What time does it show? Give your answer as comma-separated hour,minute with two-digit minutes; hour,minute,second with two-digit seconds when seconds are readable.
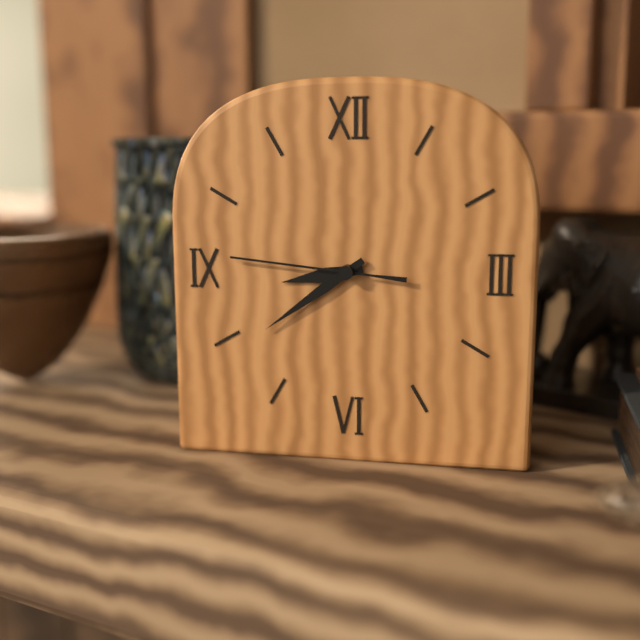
8,39,46
